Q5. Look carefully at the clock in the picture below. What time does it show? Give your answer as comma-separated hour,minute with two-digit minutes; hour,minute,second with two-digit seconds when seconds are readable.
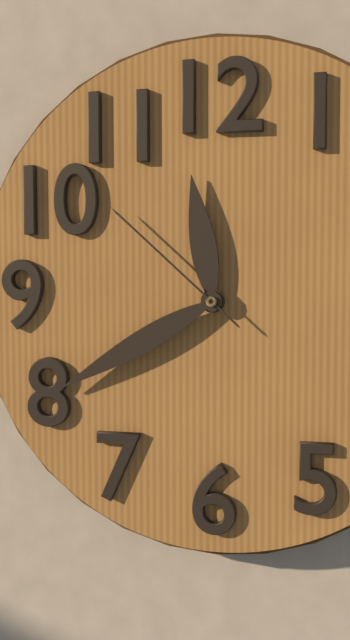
11,40,52
